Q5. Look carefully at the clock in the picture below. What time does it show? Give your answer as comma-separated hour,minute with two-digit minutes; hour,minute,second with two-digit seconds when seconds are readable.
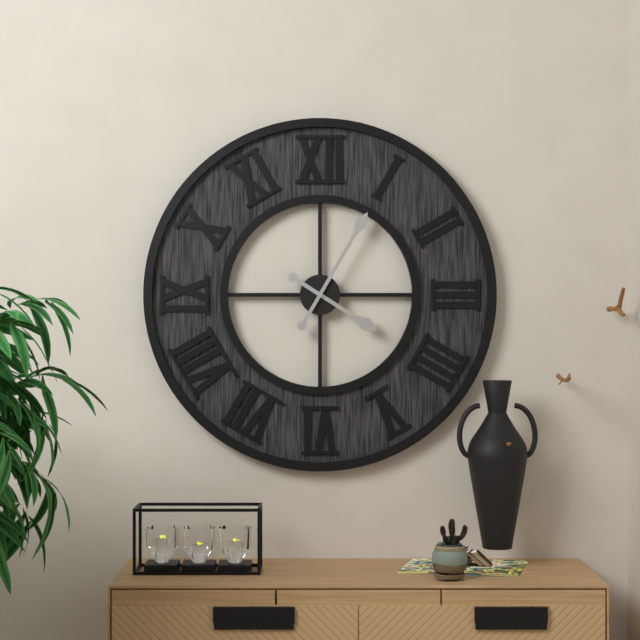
4,05
